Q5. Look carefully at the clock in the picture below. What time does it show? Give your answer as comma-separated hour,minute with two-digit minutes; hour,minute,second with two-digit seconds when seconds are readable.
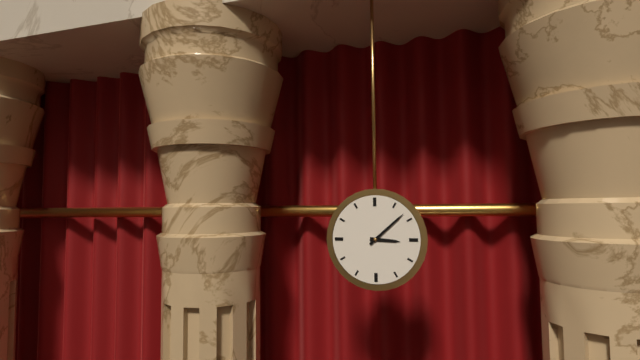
3,08
